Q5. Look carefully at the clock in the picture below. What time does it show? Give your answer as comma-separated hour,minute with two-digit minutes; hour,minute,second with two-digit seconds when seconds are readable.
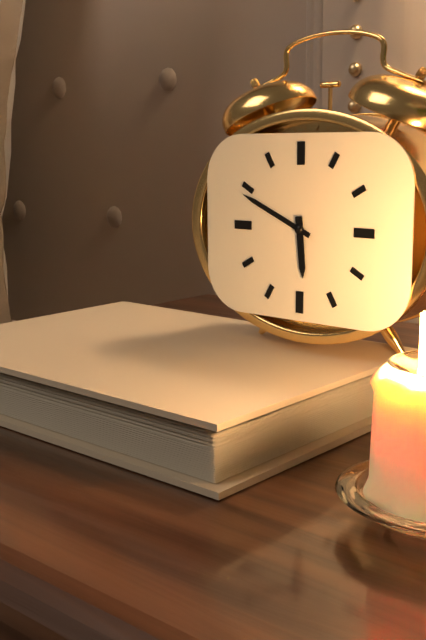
5,49
